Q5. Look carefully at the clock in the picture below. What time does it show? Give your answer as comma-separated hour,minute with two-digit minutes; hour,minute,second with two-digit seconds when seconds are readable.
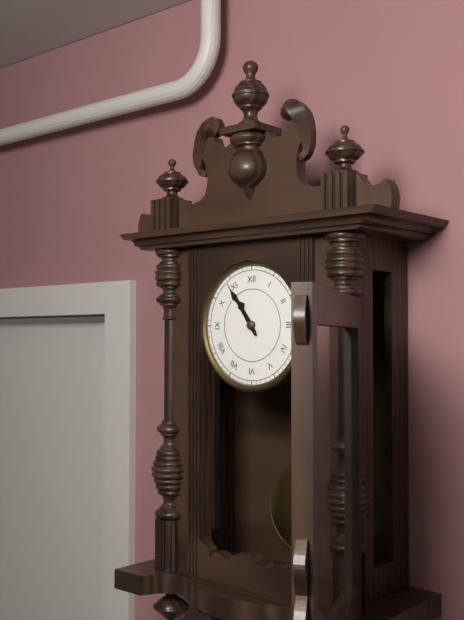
10,54
